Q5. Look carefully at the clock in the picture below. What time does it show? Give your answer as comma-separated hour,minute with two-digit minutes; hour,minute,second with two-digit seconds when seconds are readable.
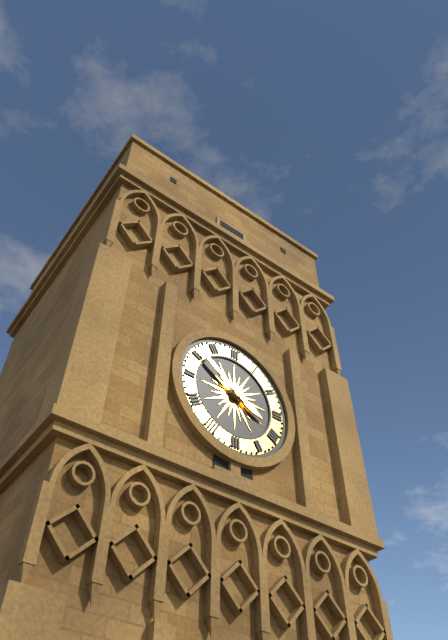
3,51
